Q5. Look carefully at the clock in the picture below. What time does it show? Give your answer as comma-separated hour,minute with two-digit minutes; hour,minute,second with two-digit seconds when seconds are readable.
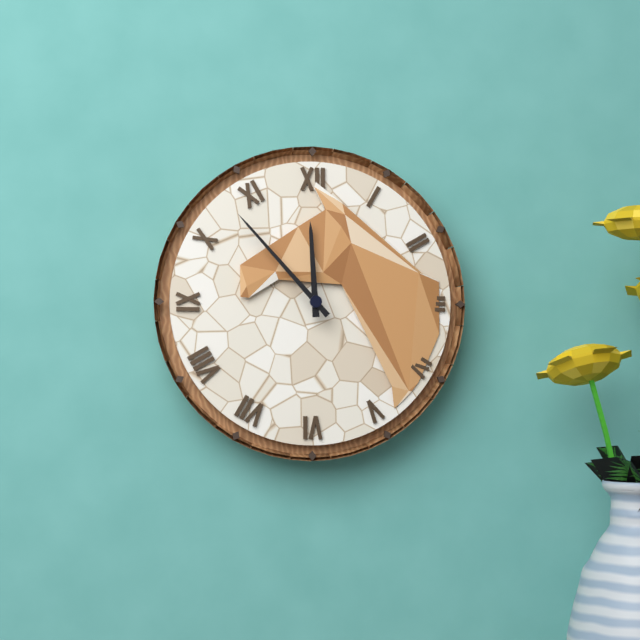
11,53
